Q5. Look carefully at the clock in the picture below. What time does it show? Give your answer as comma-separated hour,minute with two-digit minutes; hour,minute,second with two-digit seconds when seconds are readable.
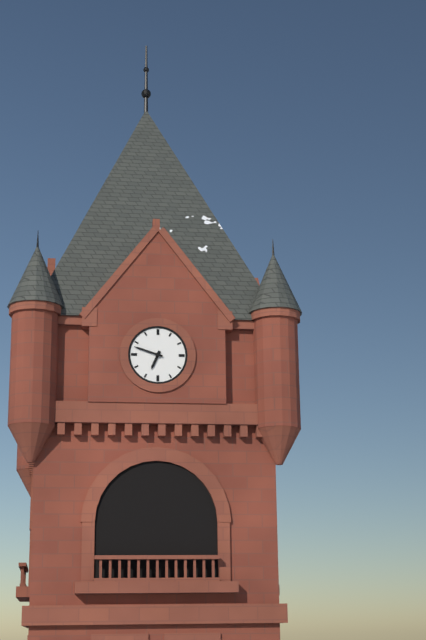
6,48
